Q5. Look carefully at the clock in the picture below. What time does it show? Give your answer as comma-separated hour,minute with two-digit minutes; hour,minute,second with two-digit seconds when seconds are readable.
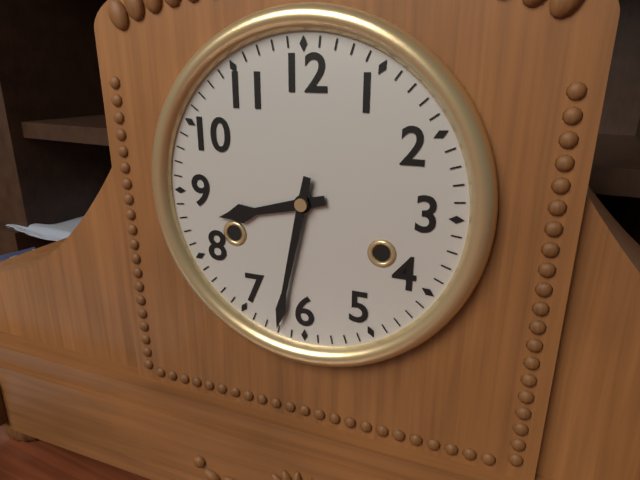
8,32
